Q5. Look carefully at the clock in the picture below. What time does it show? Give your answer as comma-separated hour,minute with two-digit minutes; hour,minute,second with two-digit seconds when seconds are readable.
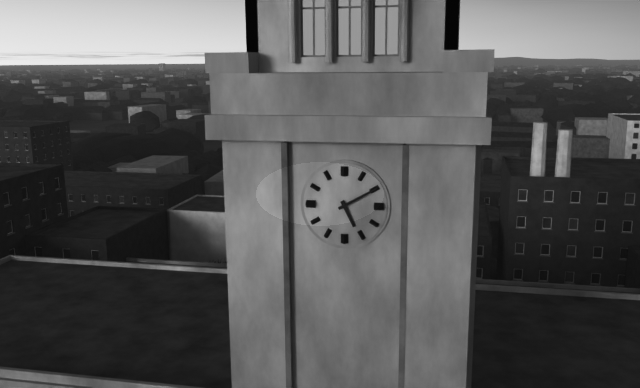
5,10
